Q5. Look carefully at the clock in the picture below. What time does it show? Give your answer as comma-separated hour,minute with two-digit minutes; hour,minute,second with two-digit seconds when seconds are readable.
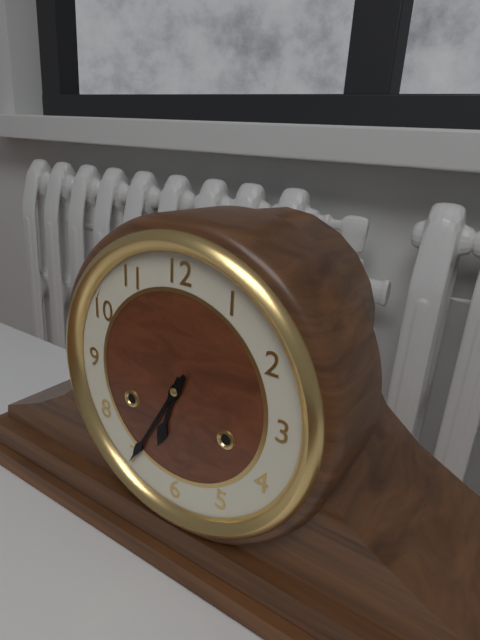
6,35
